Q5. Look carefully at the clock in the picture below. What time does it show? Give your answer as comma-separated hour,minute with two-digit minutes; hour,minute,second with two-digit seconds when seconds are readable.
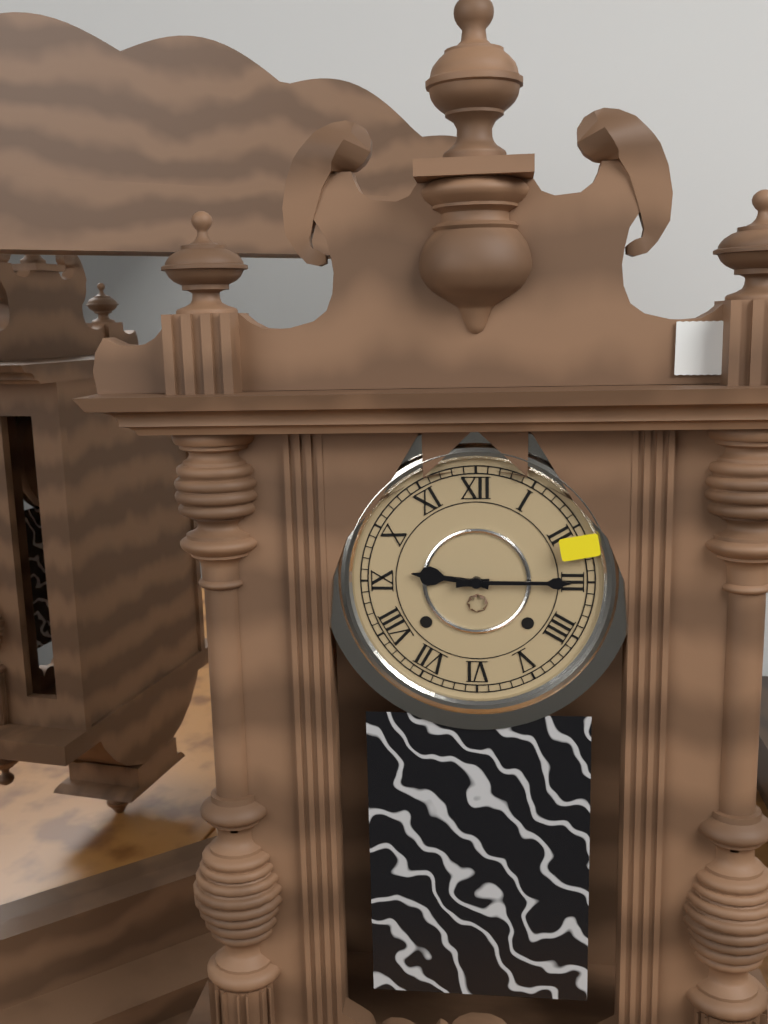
9,15
